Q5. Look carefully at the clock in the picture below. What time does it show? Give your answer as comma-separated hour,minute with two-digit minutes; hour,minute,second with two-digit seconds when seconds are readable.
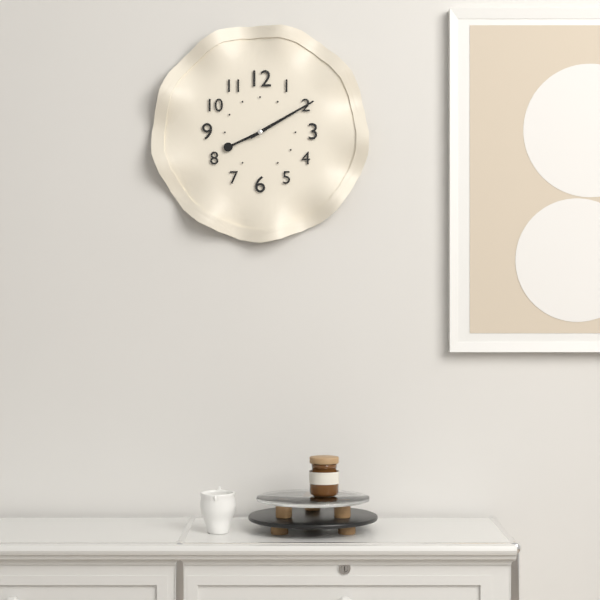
8,10
